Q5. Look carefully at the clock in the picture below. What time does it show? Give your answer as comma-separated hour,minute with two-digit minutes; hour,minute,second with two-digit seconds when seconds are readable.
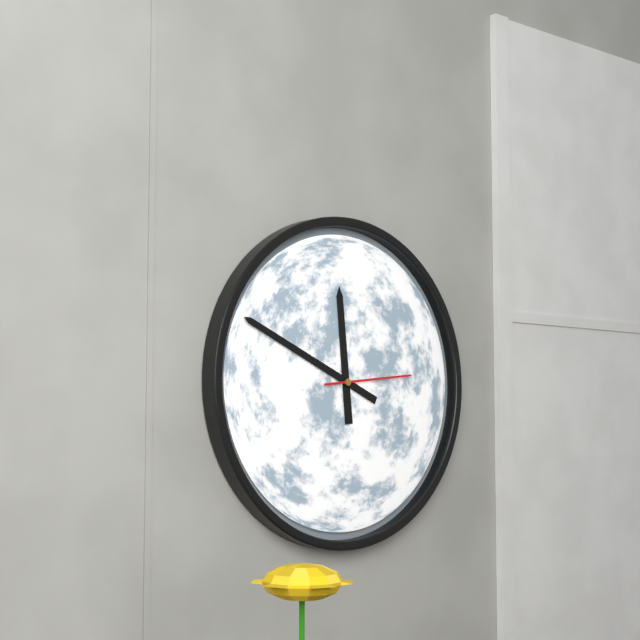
11,49,14
